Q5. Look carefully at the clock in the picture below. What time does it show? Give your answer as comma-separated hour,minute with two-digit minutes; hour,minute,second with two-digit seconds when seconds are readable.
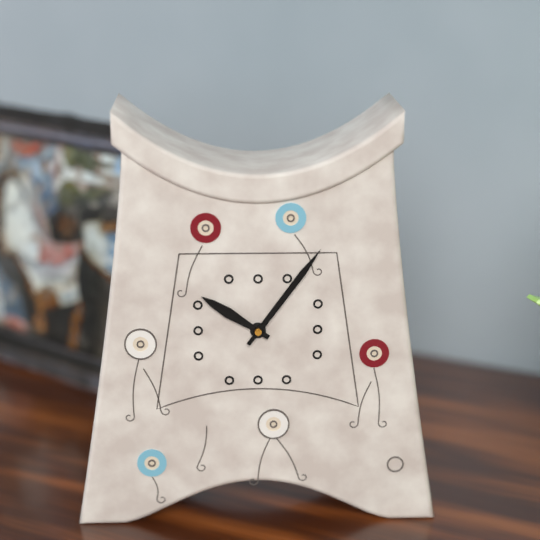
10,06
